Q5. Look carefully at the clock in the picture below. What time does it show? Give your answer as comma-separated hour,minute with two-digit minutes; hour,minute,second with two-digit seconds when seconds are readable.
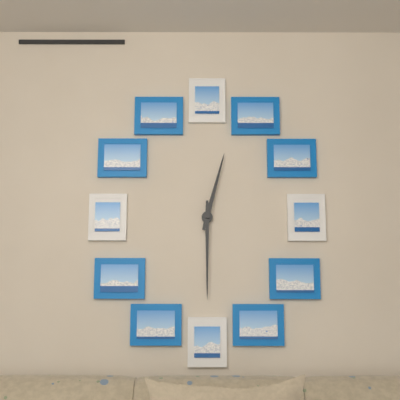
12,30
